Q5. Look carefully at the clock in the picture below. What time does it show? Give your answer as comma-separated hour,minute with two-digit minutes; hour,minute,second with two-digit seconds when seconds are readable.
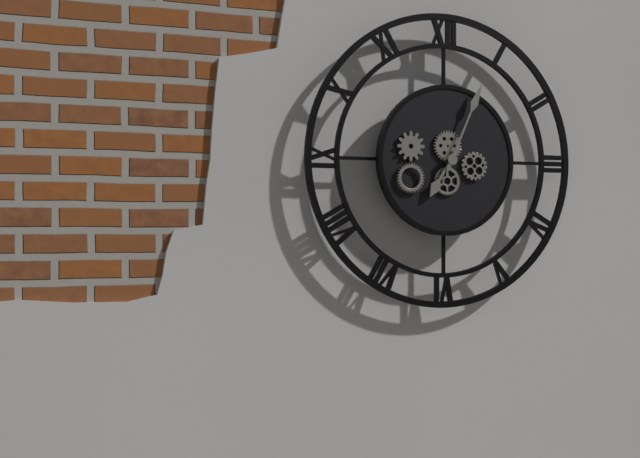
7,04
